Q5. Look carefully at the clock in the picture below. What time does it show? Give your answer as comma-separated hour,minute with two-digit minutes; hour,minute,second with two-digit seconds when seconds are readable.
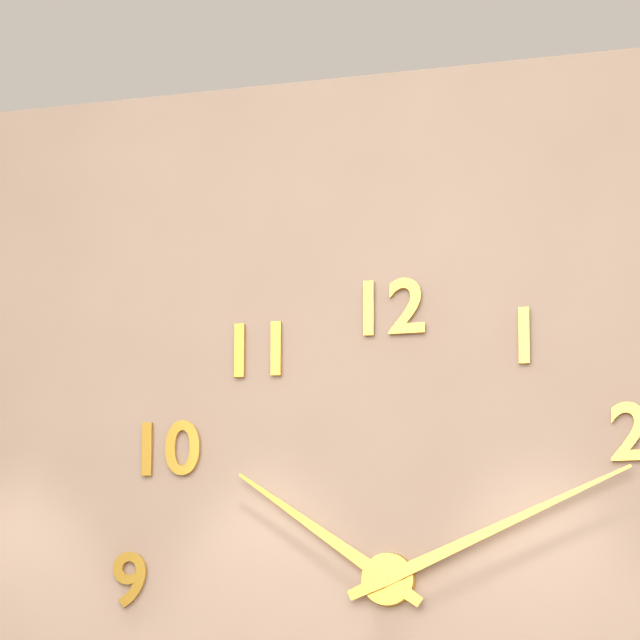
10,11
